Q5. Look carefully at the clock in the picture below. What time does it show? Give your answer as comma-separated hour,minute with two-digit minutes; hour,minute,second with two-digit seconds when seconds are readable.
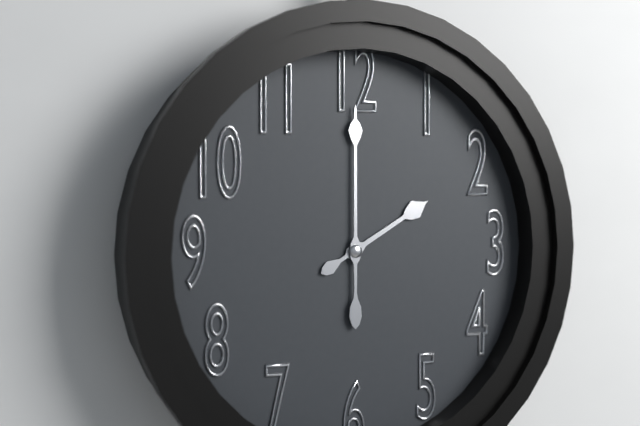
2,00
